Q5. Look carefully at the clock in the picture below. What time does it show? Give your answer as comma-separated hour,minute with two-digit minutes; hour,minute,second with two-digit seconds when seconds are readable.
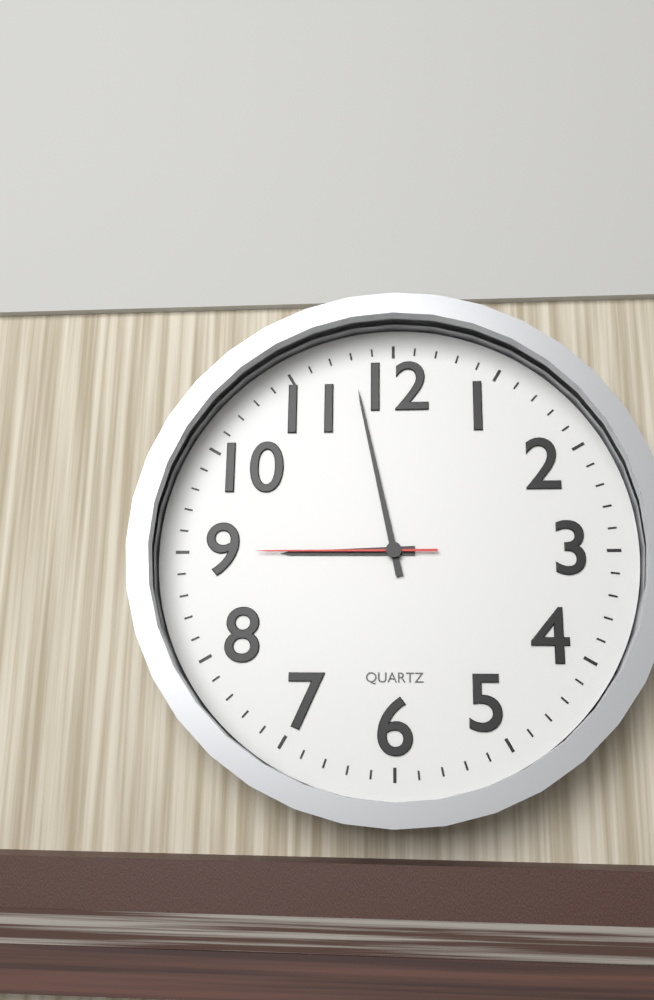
8,58,45
